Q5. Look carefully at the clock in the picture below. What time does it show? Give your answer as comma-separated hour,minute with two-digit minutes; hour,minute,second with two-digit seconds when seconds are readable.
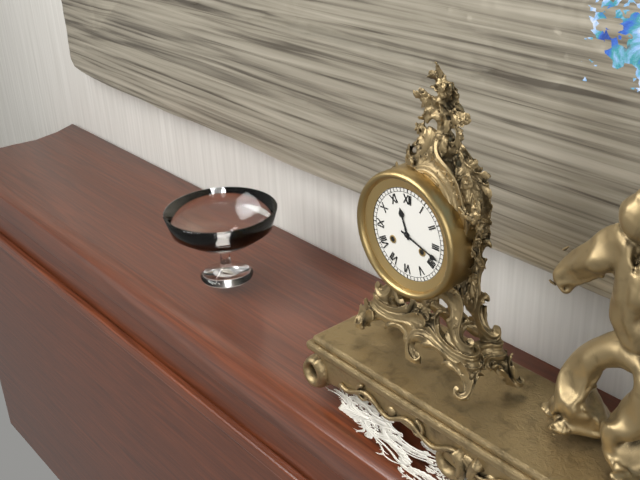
11,18
